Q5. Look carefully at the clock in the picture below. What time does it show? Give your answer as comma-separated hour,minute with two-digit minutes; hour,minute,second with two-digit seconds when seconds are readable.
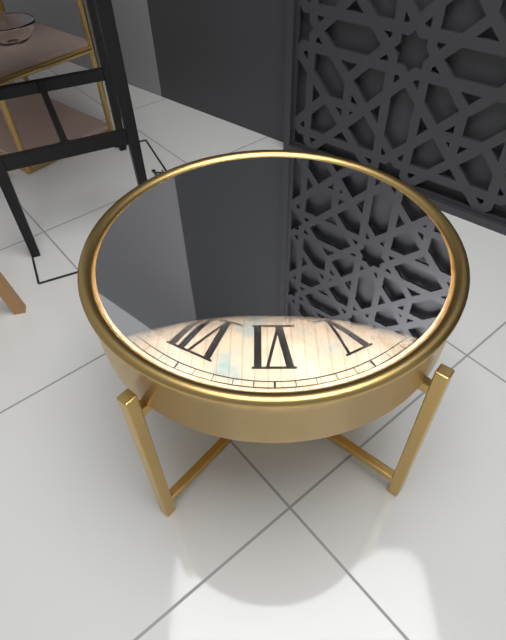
8,14
